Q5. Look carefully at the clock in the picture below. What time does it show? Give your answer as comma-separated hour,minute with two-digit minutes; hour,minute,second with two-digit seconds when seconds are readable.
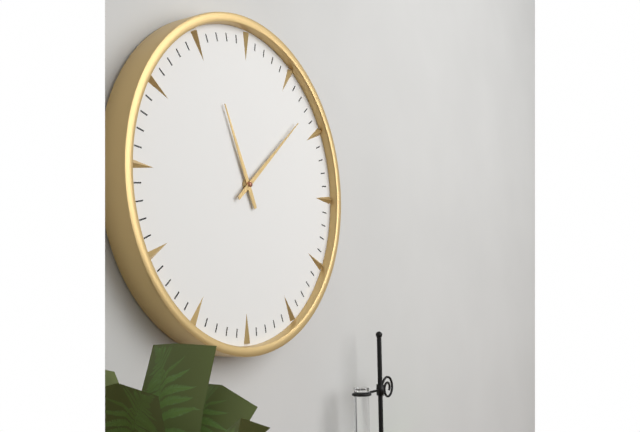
11,08
